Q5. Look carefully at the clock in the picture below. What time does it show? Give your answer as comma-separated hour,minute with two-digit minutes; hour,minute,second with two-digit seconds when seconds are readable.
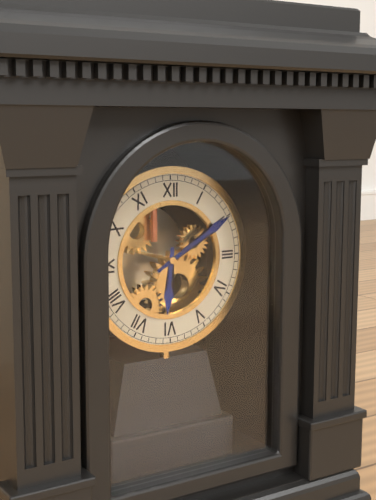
6,10
